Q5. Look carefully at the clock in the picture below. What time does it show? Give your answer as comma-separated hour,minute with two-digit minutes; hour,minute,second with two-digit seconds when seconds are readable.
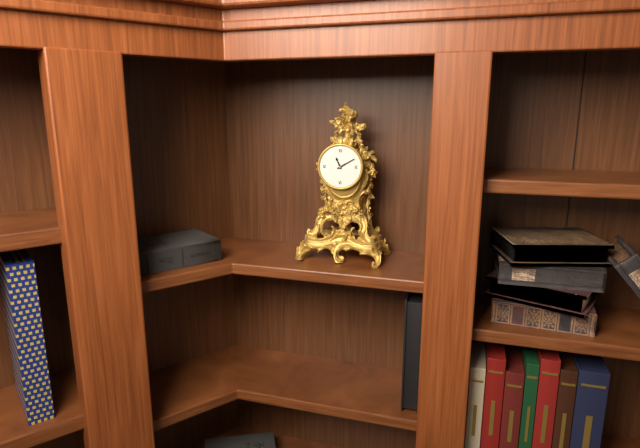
11,10
